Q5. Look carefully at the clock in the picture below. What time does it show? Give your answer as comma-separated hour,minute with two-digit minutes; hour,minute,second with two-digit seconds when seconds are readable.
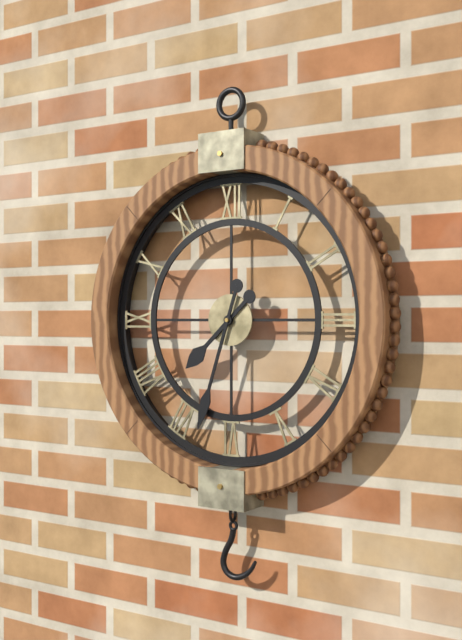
7,33
